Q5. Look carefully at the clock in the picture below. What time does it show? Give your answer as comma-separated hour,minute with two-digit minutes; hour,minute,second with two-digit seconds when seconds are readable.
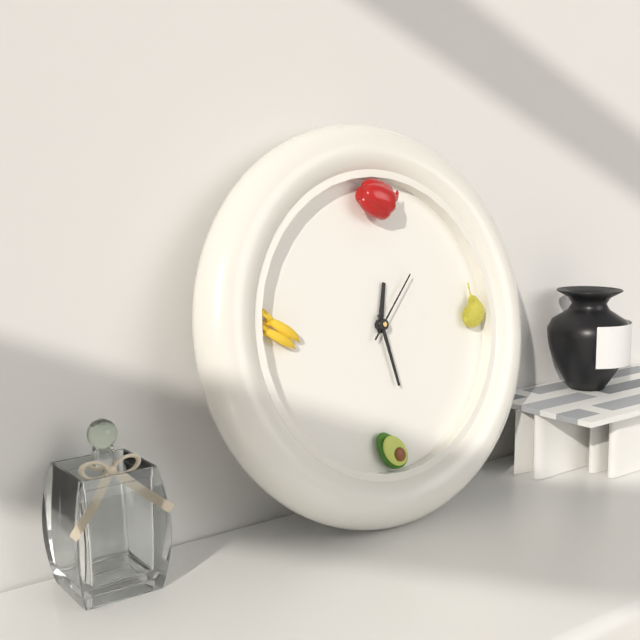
12,28,07
